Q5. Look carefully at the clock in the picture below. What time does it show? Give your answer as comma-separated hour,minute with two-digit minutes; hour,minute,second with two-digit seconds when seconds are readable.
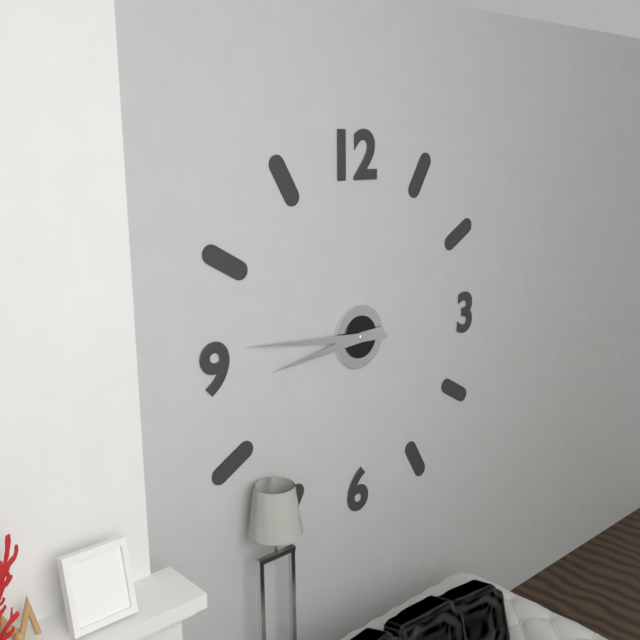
8,46
